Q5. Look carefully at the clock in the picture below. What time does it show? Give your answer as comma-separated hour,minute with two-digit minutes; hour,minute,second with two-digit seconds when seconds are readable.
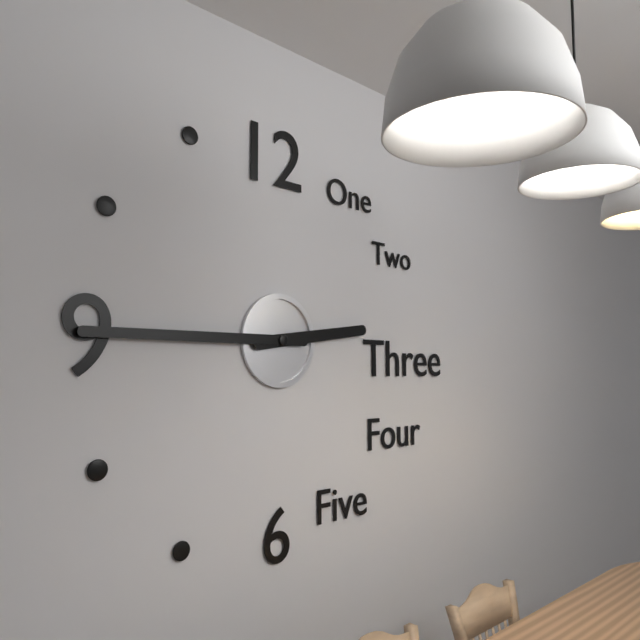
2,45
